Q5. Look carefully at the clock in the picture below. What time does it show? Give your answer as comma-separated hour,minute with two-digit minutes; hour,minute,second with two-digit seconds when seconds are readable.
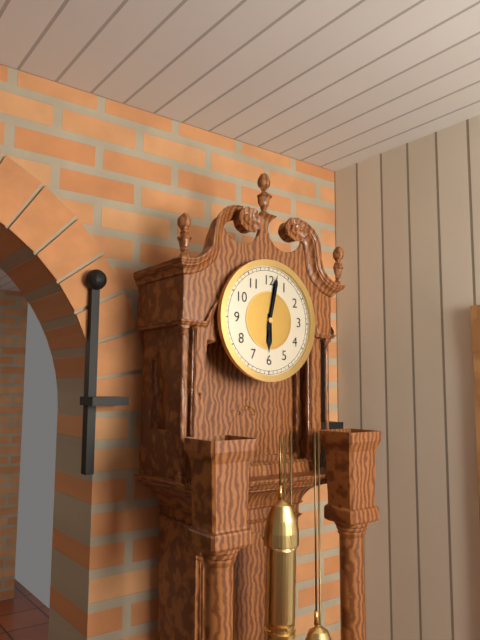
6,02
